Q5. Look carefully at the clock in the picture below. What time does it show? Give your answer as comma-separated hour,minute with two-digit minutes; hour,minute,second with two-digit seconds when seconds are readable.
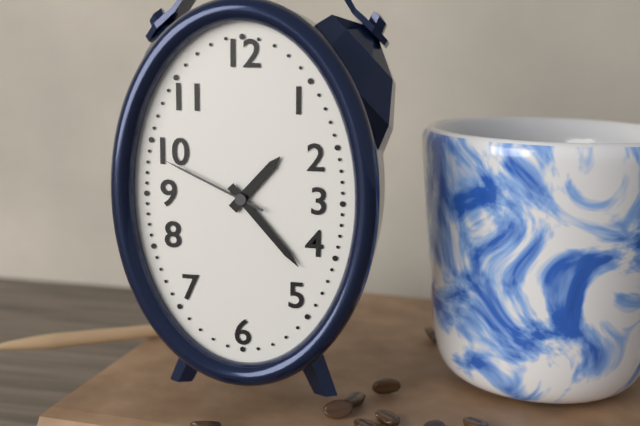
1,23,49
